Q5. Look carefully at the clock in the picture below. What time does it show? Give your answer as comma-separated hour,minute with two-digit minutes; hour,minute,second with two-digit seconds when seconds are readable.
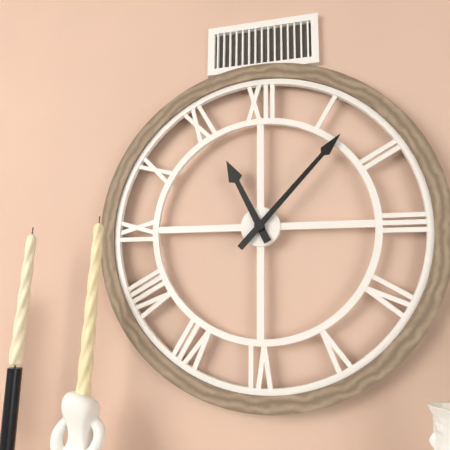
11,07
